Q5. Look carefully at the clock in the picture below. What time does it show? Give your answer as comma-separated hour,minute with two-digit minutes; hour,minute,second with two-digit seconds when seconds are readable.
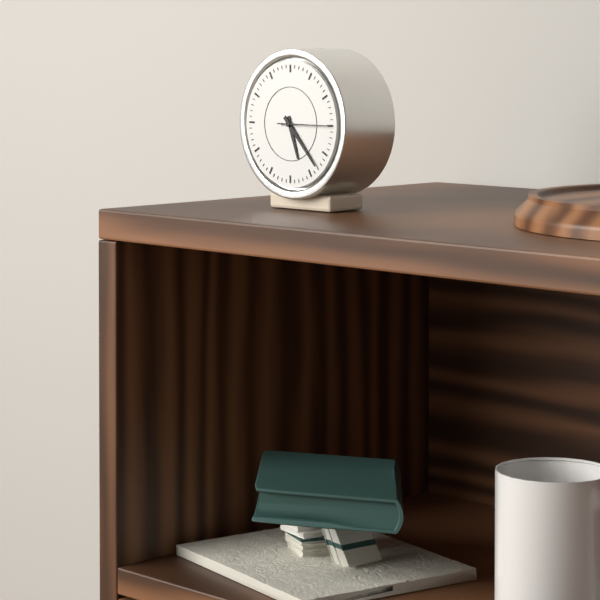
5,23
